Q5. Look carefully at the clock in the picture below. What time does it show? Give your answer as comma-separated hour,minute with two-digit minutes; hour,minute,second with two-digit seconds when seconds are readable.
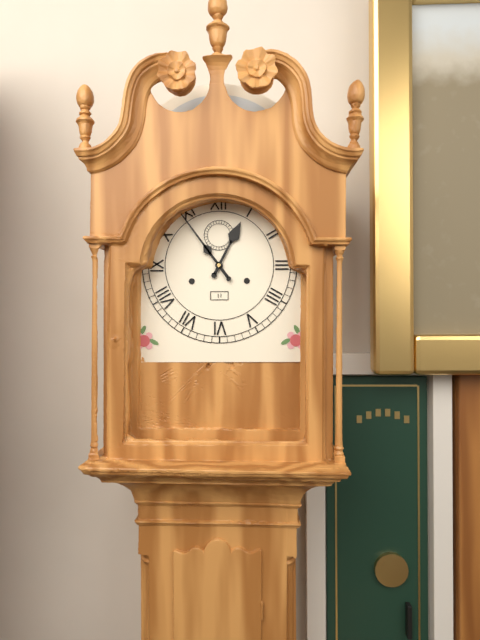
12,54
